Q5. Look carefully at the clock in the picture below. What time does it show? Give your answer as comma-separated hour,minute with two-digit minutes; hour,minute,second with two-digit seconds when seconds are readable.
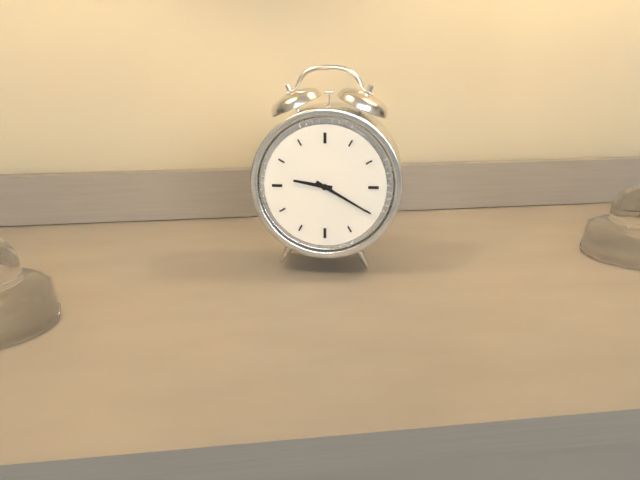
9,20
